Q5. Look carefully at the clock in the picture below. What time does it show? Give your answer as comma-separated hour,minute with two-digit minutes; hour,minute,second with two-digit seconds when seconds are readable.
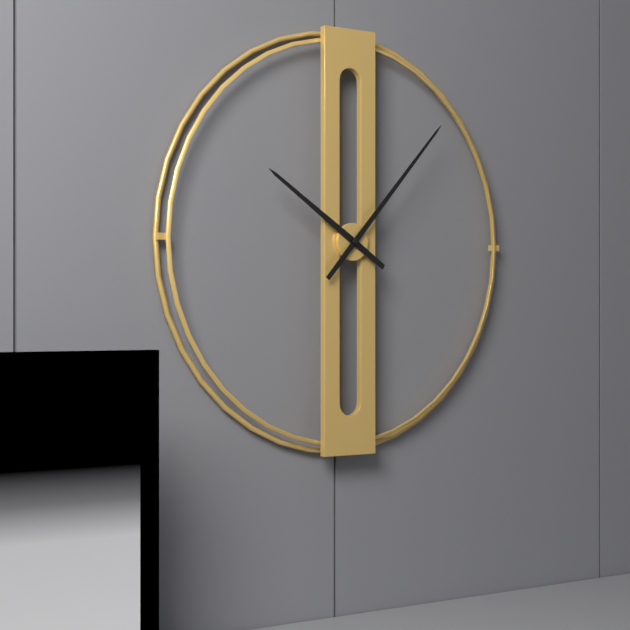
10,07
